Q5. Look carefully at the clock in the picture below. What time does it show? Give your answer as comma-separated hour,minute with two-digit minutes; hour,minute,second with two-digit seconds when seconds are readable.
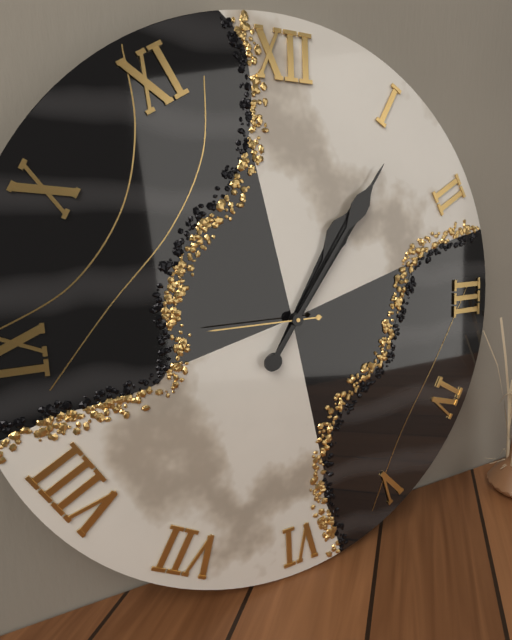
1,06,45
